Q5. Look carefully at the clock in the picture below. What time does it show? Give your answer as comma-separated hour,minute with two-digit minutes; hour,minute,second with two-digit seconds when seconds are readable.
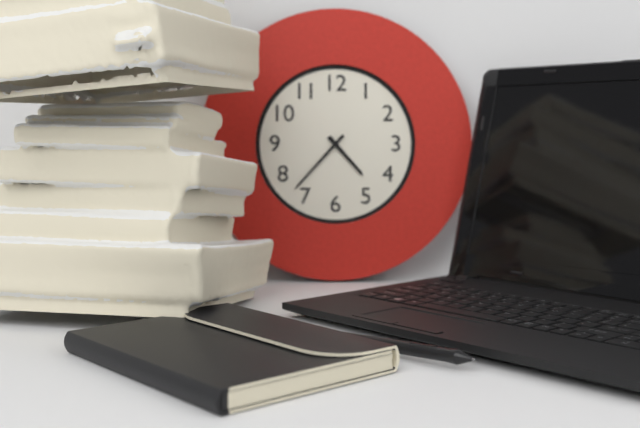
4,37
